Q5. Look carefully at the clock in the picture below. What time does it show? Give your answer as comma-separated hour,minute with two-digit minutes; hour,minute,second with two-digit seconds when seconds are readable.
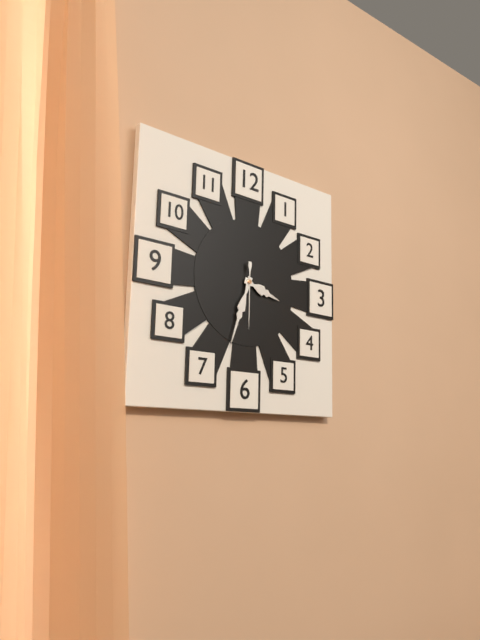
3,33,30
